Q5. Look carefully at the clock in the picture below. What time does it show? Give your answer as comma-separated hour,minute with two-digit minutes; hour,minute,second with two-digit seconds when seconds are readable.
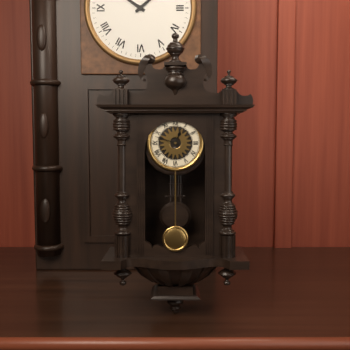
12,48
